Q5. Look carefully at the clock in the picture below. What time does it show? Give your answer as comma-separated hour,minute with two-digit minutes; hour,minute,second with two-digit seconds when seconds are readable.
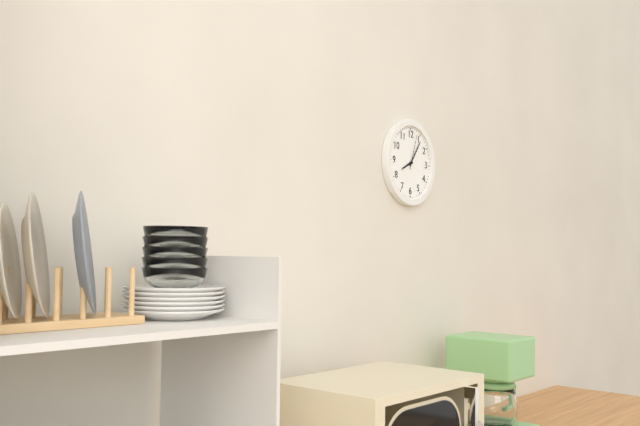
8,06
